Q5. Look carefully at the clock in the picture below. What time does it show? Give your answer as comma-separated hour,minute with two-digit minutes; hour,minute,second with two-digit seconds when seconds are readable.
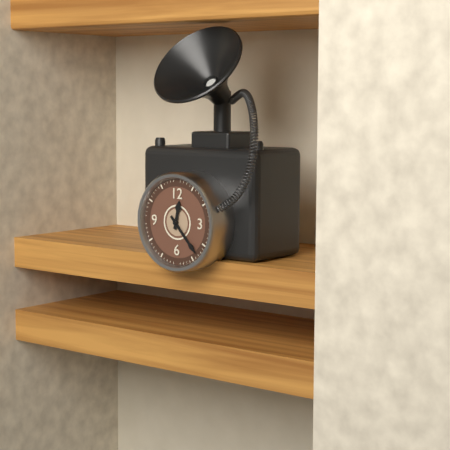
12,23
